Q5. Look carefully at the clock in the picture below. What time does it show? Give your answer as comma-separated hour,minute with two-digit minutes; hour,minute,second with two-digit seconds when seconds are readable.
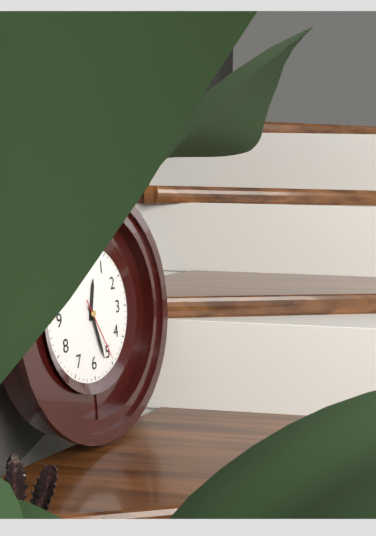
12,27,25
